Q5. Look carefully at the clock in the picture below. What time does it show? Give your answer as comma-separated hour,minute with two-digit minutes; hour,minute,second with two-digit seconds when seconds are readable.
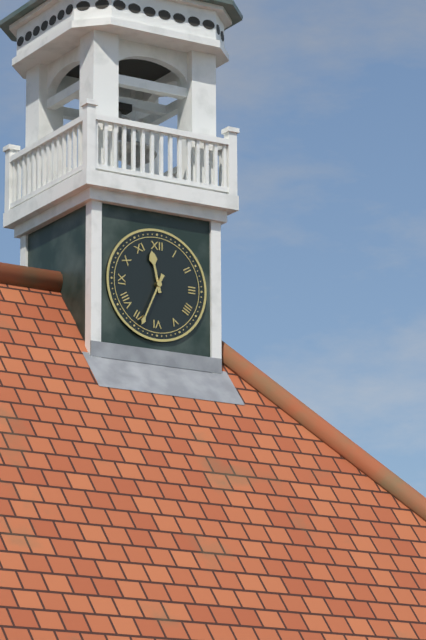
11,34
